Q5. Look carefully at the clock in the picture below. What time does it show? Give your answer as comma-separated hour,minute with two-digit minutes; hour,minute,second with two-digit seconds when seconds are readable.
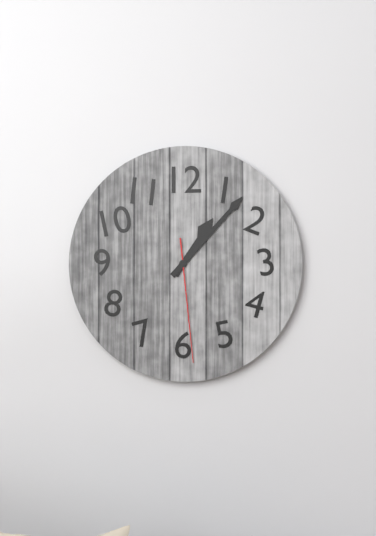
1,07,29
